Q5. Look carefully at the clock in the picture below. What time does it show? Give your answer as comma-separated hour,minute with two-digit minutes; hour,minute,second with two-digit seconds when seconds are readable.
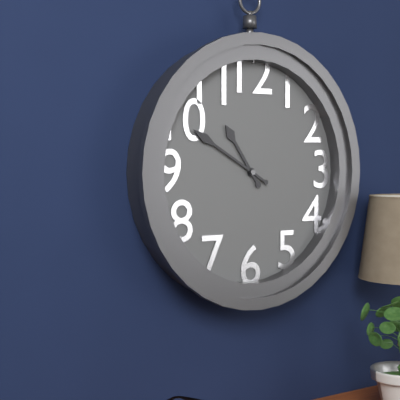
10,50
